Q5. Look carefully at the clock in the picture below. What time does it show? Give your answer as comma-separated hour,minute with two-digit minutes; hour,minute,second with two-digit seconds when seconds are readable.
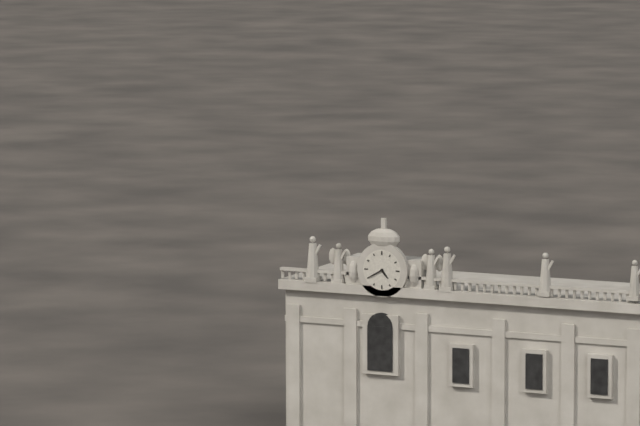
4,40
